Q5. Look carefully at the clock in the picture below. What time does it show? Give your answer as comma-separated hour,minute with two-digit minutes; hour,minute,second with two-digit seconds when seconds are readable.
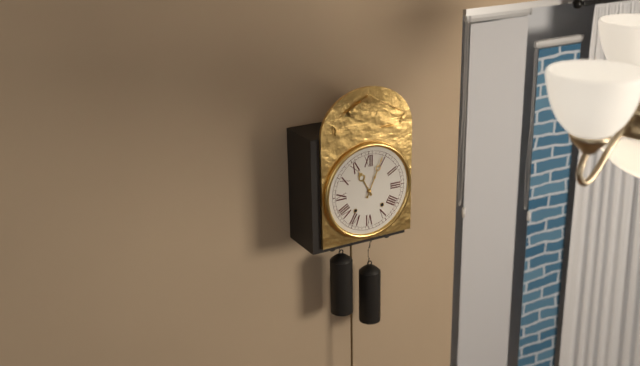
11,04
